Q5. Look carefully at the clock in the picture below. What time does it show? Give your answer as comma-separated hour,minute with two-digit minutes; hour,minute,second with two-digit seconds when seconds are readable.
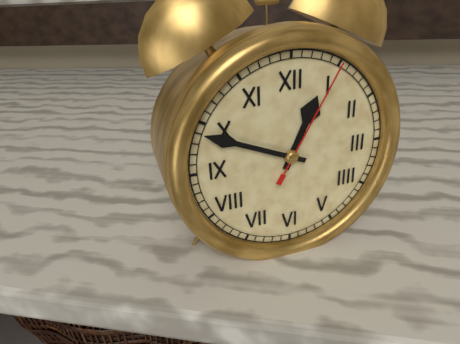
12,49,05
